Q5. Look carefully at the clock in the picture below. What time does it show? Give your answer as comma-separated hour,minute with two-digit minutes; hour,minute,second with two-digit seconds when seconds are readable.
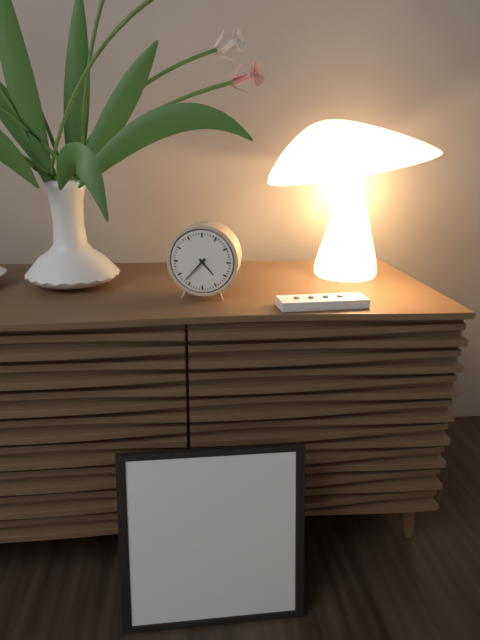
4,37
